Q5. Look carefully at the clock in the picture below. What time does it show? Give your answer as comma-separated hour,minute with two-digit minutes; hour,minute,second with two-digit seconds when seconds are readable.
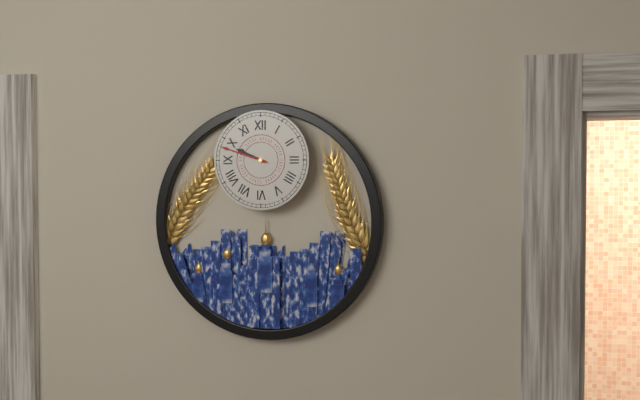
9,48
